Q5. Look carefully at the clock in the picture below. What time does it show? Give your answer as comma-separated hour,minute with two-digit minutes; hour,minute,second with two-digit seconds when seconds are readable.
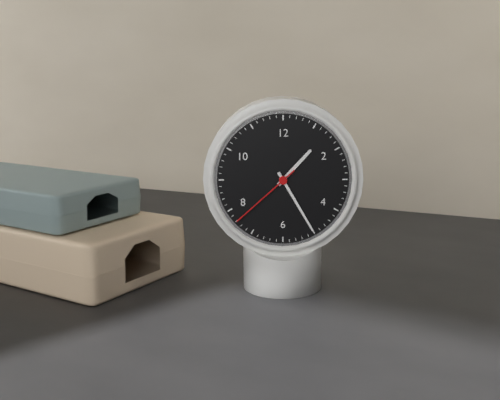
1,25,38
